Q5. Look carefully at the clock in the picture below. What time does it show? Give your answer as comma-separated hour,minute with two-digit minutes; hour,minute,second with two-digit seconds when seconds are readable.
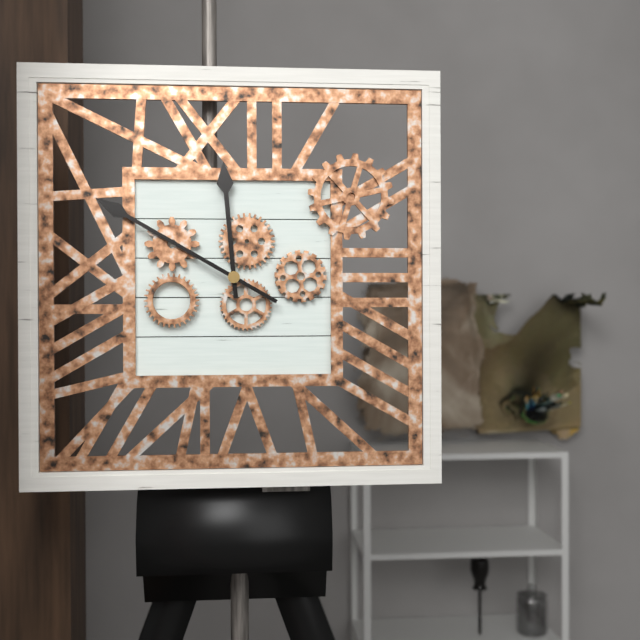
11,50
